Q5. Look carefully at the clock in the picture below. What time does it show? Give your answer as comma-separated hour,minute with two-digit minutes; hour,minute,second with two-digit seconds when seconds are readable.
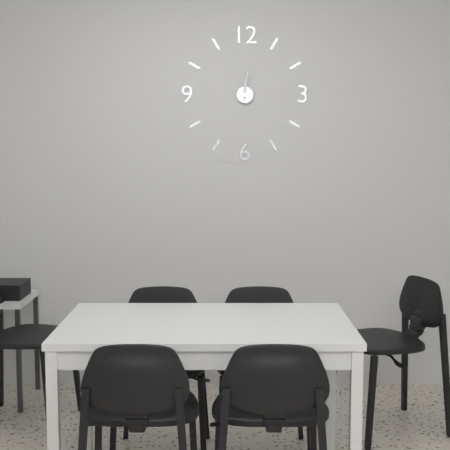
12,01
